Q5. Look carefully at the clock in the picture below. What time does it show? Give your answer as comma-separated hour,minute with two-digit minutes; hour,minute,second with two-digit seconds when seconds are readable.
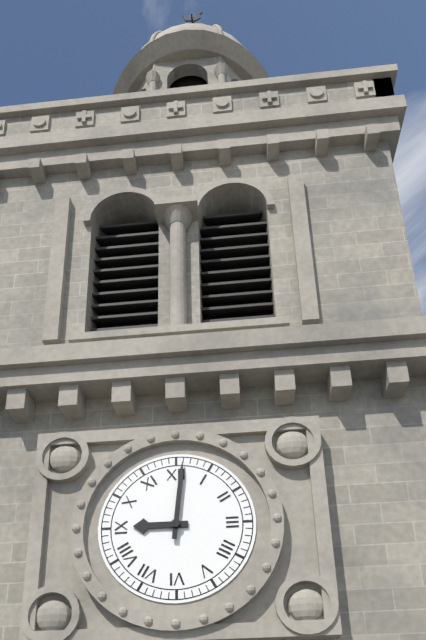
9,01
